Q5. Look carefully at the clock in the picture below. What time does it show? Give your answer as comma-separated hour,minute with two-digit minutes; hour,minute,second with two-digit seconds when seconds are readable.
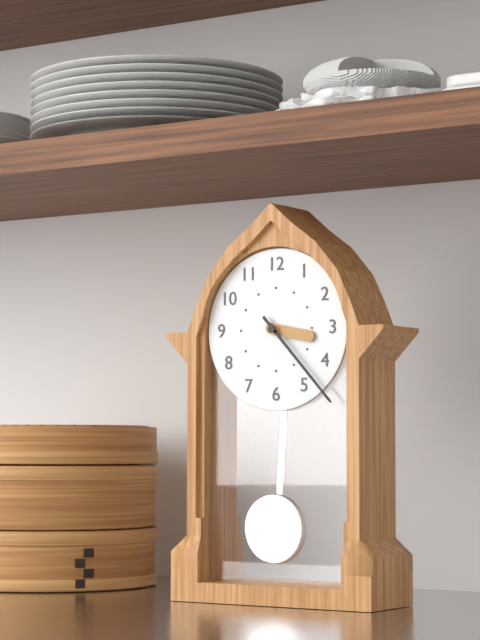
3,23
